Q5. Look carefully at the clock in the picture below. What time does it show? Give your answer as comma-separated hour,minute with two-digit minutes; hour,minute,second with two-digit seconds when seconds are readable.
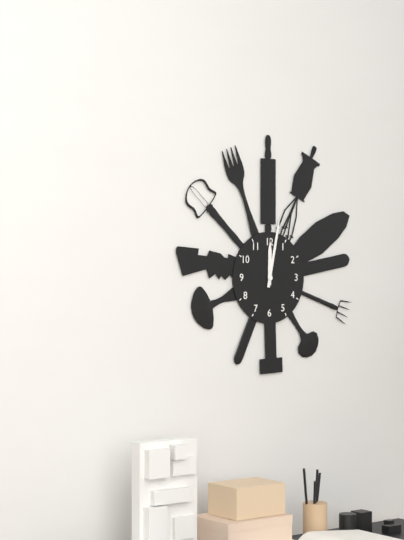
12,02
